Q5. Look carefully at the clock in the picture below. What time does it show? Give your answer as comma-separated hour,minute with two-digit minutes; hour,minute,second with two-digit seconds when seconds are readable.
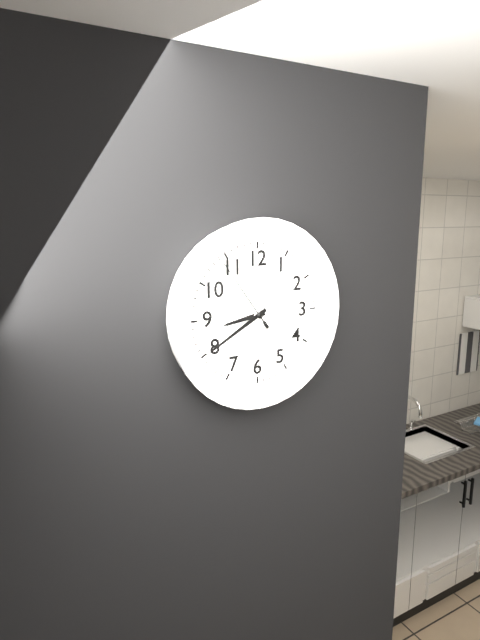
8,40,54
